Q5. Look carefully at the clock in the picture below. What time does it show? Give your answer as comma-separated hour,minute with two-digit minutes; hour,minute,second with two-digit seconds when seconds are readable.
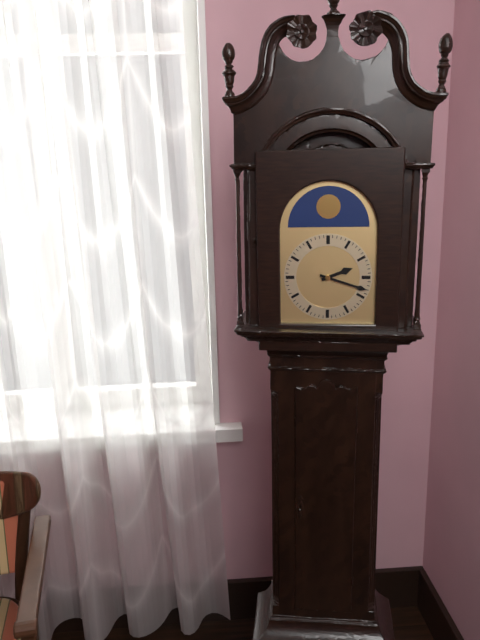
2,18
